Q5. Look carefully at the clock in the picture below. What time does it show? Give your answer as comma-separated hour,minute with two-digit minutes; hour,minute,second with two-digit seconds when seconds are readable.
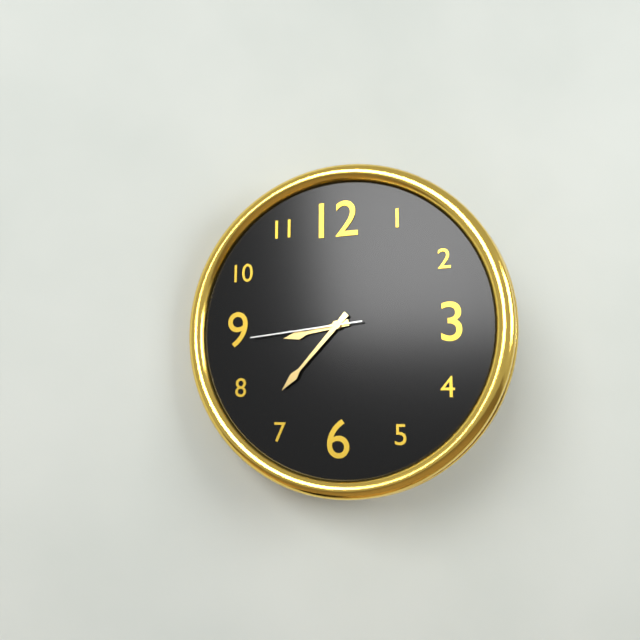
8,37,44
